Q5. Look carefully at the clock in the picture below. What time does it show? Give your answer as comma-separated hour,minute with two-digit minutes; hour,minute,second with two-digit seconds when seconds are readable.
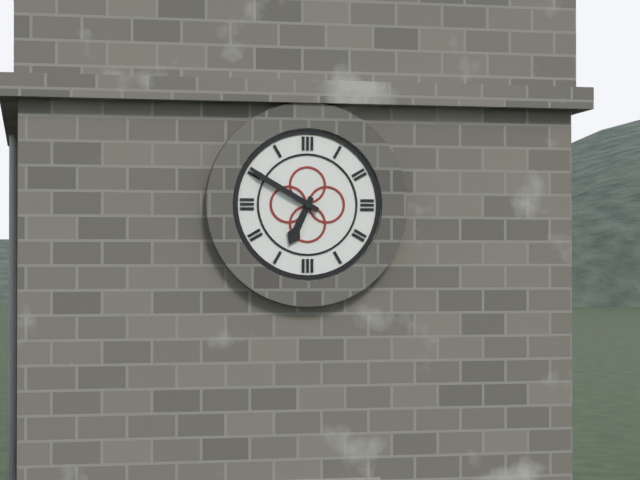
6,50
